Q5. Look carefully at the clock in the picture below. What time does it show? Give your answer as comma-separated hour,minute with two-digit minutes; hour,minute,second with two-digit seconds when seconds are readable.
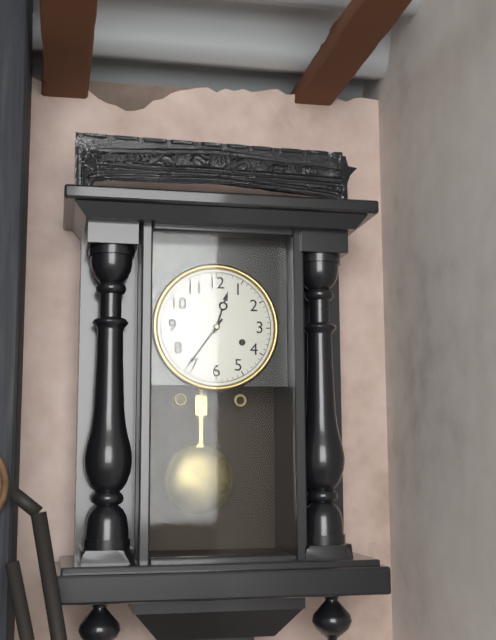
12,36
